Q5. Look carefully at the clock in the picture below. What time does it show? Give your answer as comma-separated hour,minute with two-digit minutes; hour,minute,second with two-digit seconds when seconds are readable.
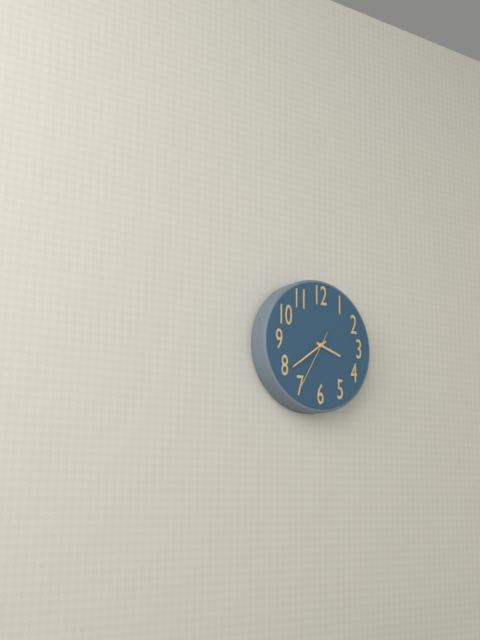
3,39,35
